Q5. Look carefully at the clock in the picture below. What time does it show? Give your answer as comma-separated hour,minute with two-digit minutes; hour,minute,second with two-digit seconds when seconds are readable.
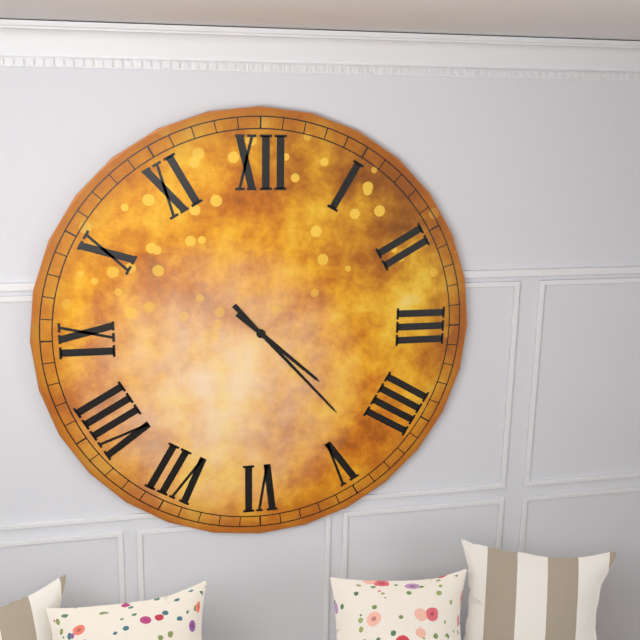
4,23
